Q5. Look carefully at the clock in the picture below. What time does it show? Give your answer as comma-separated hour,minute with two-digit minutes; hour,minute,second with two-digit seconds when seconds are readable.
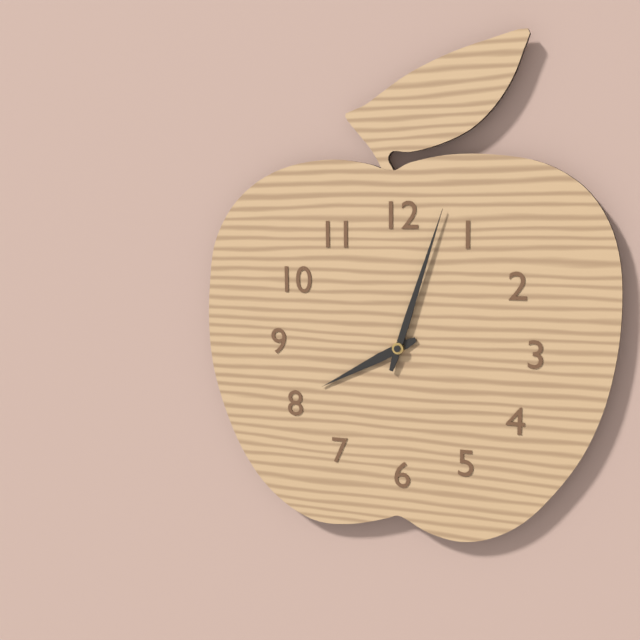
8,03
